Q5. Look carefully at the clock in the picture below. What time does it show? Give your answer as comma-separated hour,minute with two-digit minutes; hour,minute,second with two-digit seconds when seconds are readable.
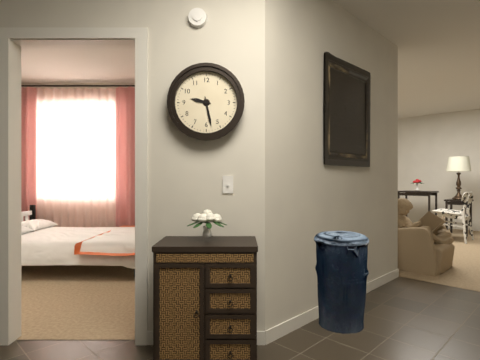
9,28
